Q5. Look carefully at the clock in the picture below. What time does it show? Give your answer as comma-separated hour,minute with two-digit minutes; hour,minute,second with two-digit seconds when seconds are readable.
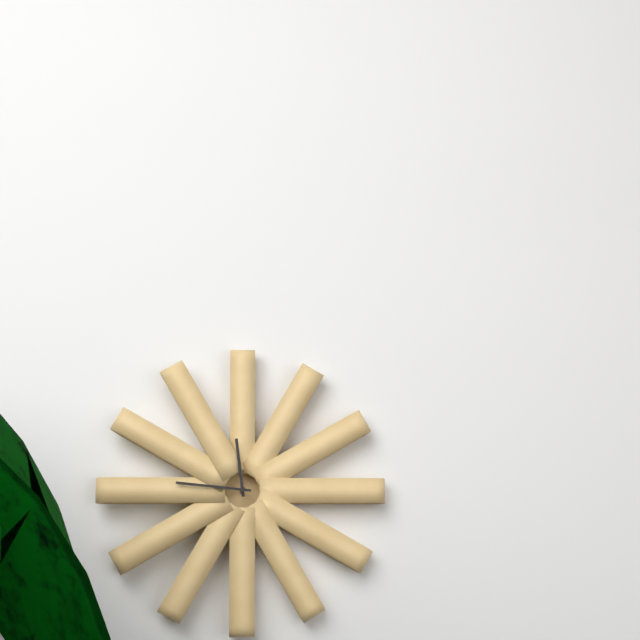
11,46
